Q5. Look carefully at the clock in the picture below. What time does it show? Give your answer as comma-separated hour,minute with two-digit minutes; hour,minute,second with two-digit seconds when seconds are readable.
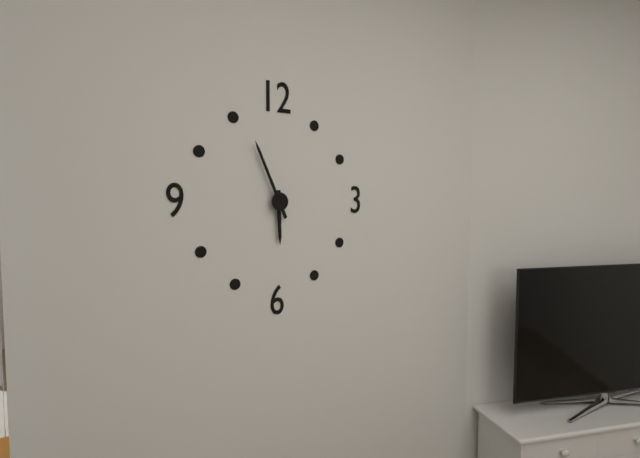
5,56
